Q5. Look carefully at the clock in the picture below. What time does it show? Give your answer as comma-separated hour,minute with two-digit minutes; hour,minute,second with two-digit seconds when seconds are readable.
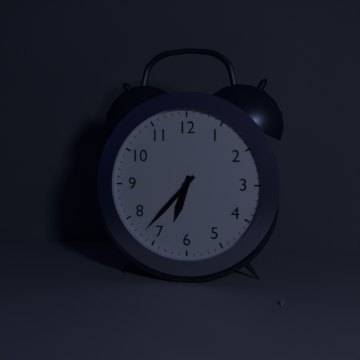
6,37
